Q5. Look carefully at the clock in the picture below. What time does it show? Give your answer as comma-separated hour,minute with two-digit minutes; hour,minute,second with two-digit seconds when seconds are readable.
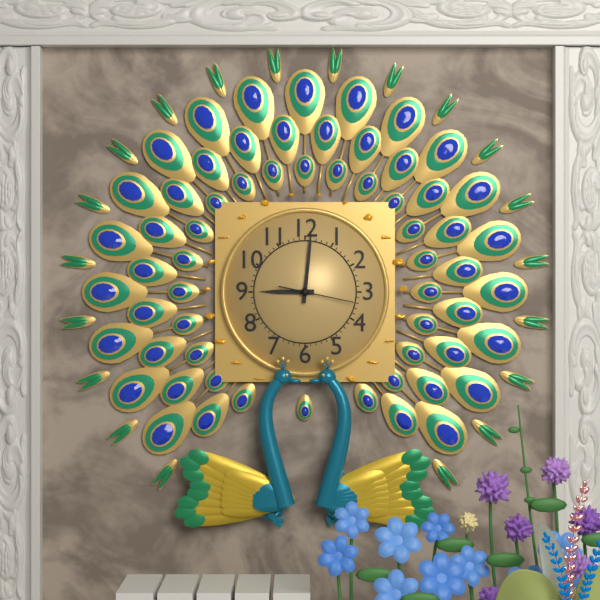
9,01,17
